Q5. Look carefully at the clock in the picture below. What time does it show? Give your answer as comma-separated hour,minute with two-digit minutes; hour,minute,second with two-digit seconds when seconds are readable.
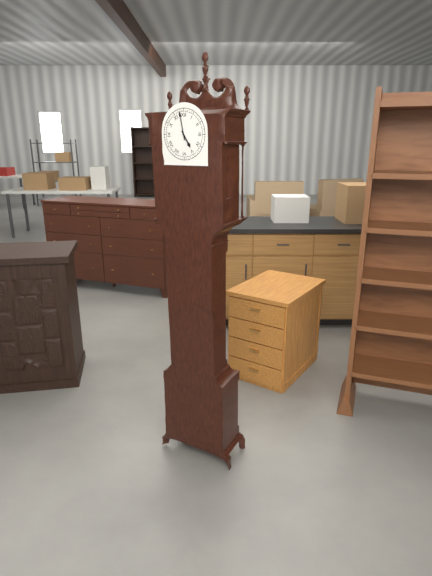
4,58
